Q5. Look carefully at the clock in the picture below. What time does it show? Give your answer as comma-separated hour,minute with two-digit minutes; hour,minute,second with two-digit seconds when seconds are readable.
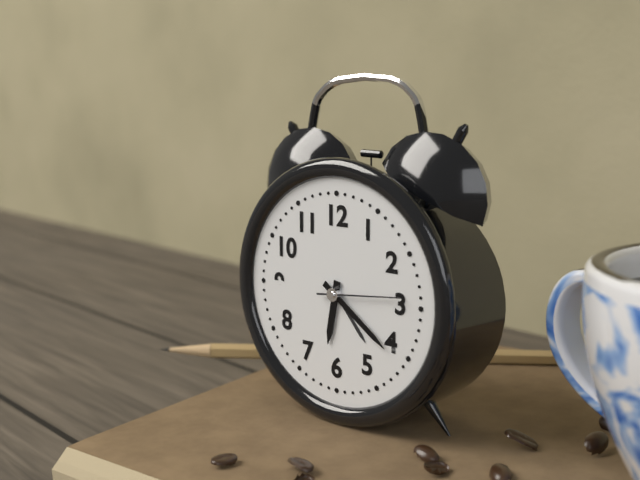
6,21,14
